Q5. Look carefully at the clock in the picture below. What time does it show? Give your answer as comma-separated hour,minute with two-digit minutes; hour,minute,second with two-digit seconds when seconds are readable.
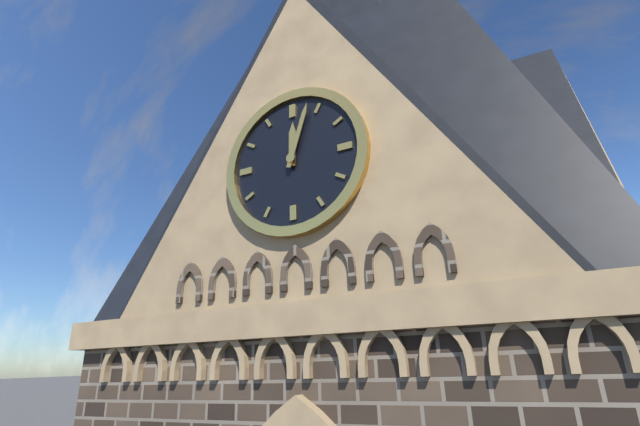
12,03
